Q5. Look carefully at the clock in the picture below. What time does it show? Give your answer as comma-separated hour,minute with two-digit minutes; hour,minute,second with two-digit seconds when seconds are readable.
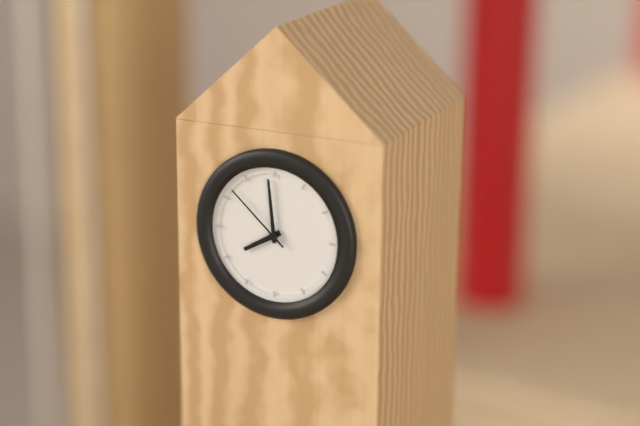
7,59,52
